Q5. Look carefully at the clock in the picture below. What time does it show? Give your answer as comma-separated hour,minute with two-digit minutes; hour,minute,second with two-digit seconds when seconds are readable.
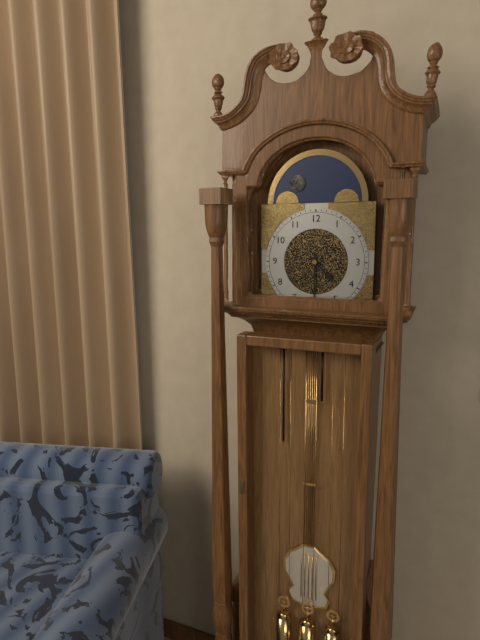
4,30
